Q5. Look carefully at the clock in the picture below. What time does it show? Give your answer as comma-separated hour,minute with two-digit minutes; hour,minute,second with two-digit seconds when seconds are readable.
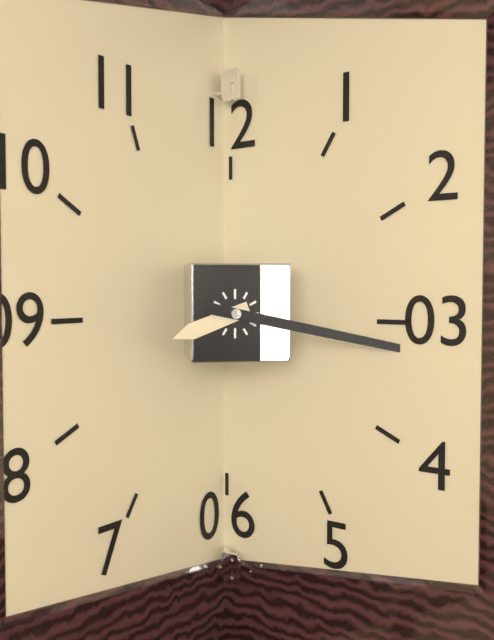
8,17
